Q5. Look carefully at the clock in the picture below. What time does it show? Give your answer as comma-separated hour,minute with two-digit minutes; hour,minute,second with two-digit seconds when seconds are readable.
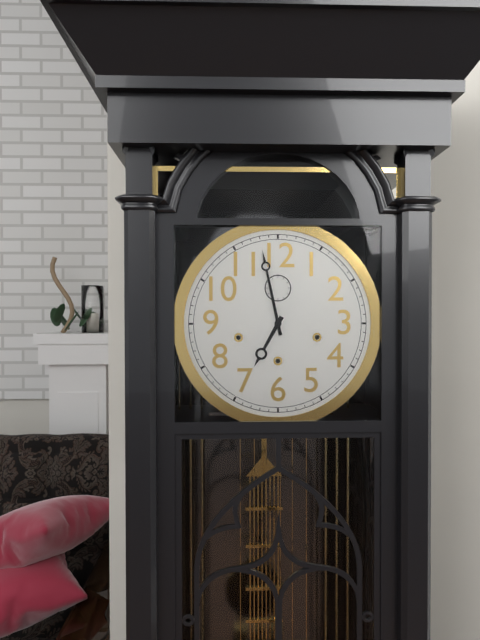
6,58
